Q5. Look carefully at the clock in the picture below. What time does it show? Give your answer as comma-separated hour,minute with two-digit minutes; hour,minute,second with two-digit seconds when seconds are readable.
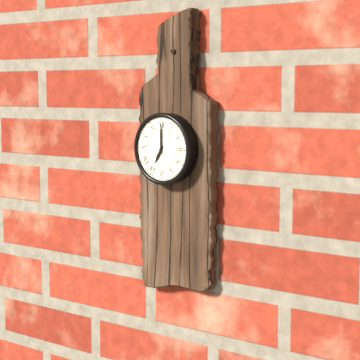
7,00
